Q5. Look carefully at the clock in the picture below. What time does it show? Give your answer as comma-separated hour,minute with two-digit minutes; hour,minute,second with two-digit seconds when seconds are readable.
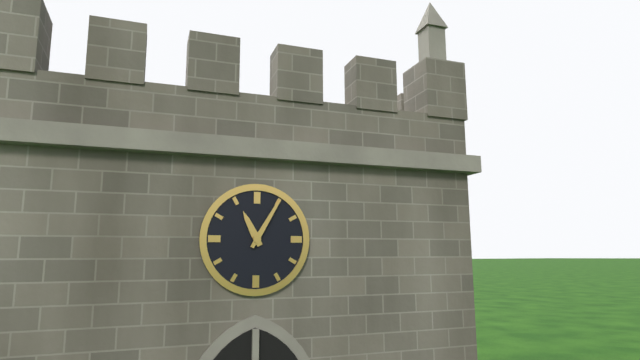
11,05
